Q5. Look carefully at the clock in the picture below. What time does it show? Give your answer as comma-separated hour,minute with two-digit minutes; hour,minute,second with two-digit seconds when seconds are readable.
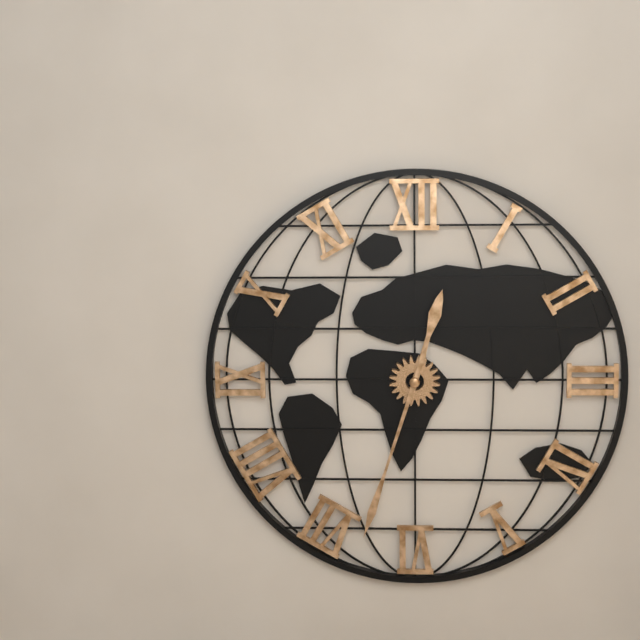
12,33
